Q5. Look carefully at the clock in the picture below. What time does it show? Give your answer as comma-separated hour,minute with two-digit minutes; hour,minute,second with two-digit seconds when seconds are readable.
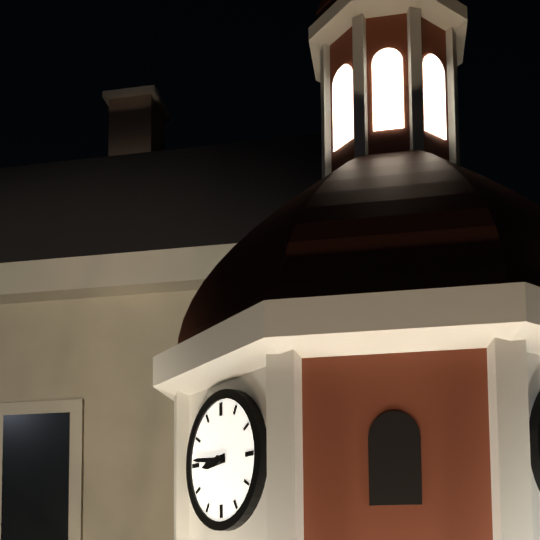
8,46
